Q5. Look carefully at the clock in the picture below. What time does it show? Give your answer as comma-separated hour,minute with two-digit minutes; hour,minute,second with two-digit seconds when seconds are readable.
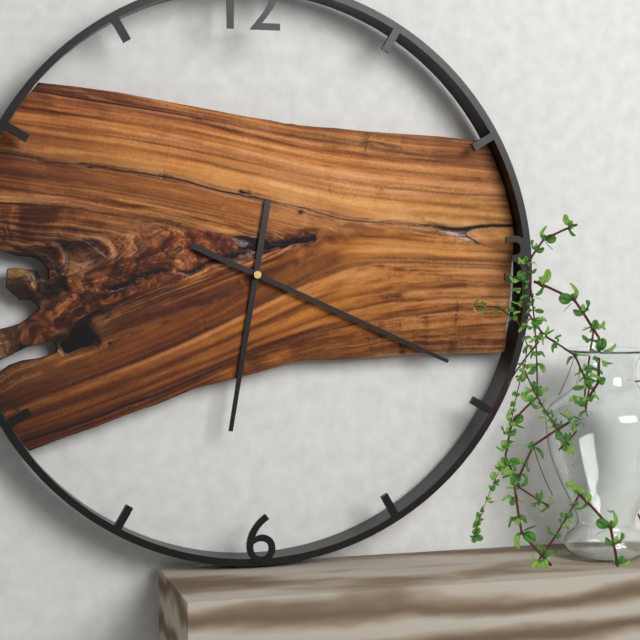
6,19
